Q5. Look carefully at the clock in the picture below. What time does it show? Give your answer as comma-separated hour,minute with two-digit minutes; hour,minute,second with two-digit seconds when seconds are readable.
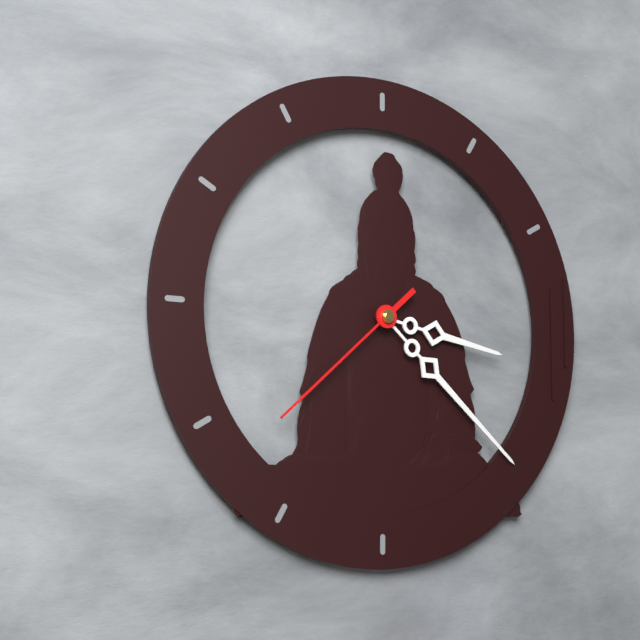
3,22,38
